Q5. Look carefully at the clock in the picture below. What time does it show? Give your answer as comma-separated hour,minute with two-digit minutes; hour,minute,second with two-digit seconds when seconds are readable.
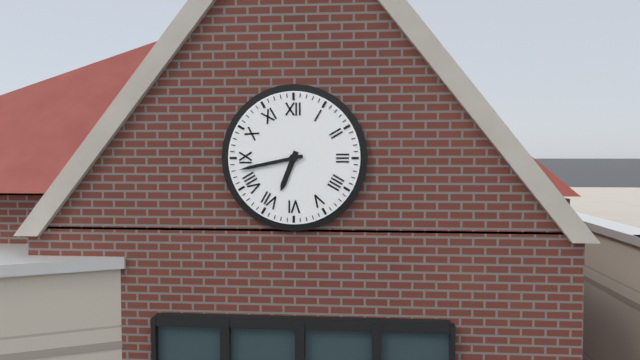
6,43
